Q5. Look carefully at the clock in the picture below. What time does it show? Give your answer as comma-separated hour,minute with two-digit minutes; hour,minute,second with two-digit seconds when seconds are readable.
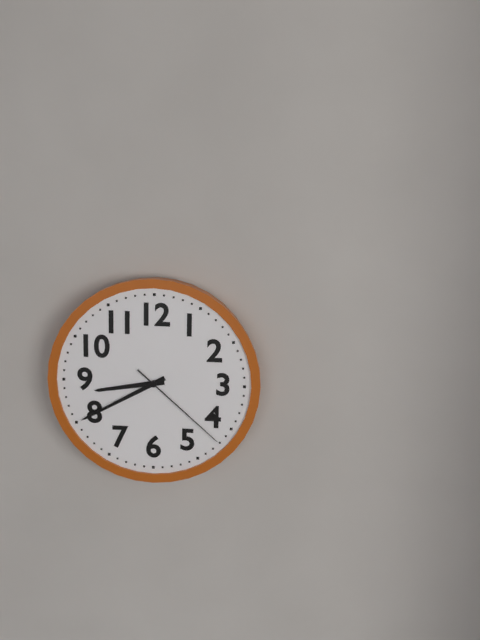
8,40,22
